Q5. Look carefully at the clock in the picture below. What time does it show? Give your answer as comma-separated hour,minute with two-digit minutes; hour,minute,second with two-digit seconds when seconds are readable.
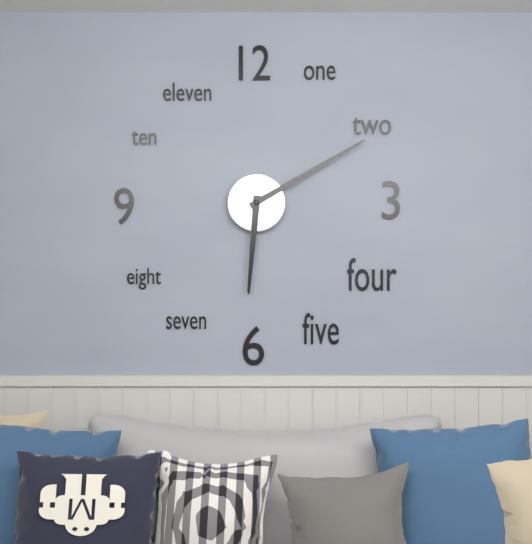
6,10
